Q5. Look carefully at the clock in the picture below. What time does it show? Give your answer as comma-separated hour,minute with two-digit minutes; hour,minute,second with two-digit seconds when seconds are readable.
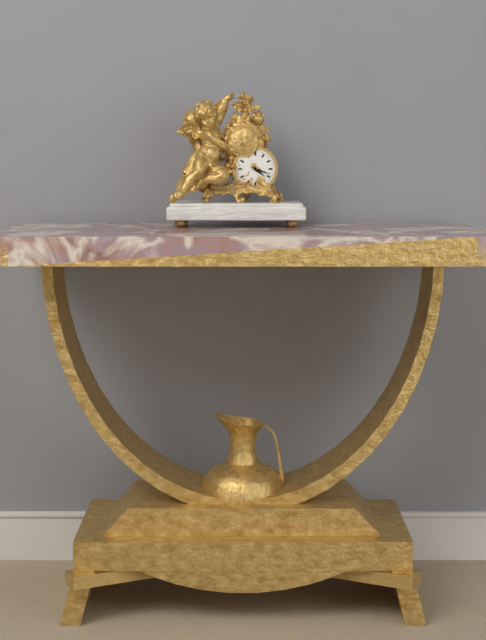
4,18
